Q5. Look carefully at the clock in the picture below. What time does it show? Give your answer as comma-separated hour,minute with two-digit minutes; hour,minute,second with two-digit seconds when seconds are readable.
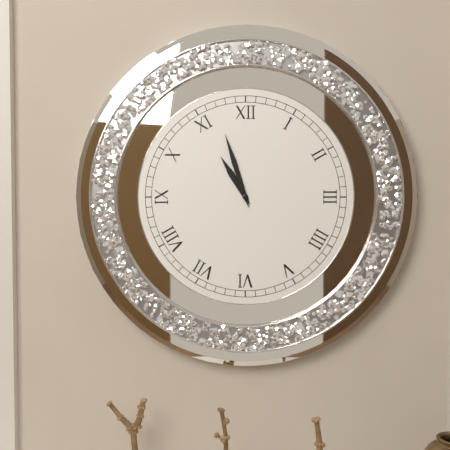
10,57
